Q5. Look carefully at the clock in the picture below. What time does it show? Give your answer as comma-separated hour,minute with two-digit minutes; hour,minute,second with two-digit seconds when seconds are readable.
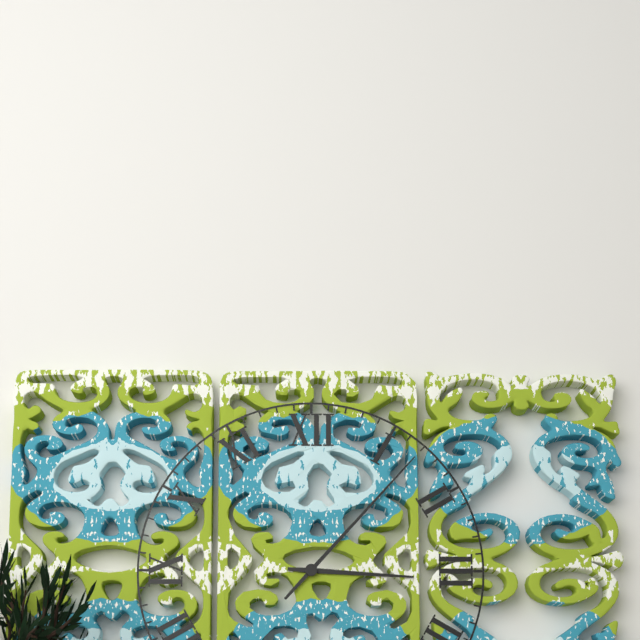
3,07
